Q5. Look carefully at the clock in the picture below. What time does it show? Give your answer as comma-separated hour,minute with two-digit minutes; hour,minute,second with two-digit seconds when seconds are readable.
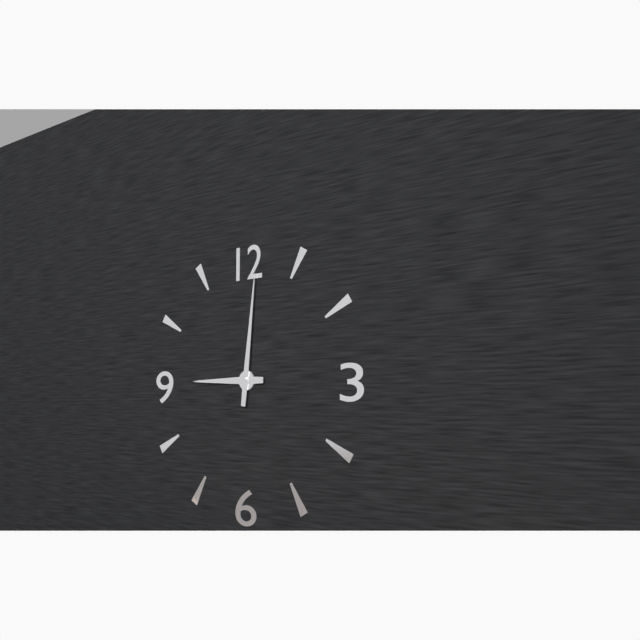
9,01
